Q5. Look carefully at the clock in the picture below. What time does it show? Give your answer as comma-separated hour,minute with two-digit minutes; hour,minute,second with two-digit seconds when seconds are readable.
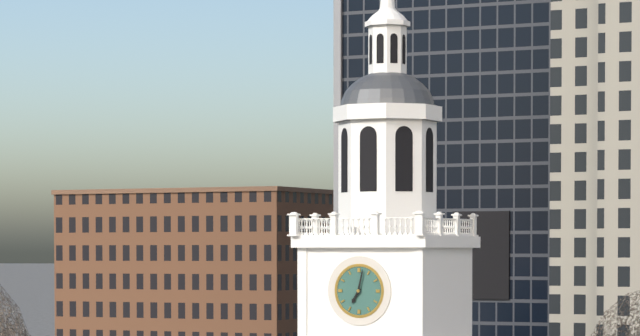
7,02
